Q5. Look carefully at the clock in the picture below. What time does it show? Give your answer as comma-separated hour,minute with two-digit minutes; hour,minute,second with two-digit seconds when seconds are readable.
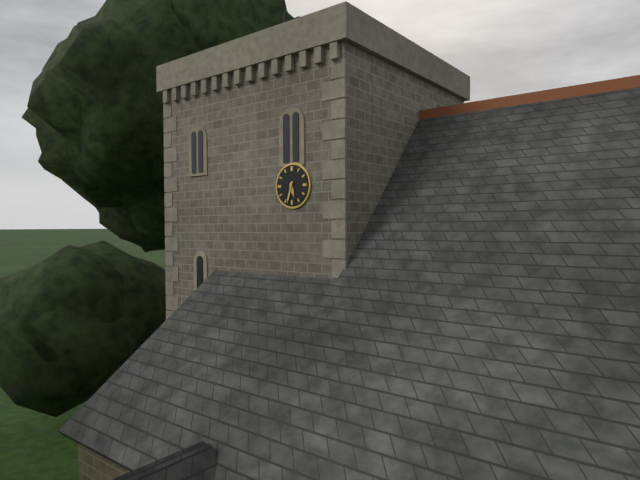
5,33
